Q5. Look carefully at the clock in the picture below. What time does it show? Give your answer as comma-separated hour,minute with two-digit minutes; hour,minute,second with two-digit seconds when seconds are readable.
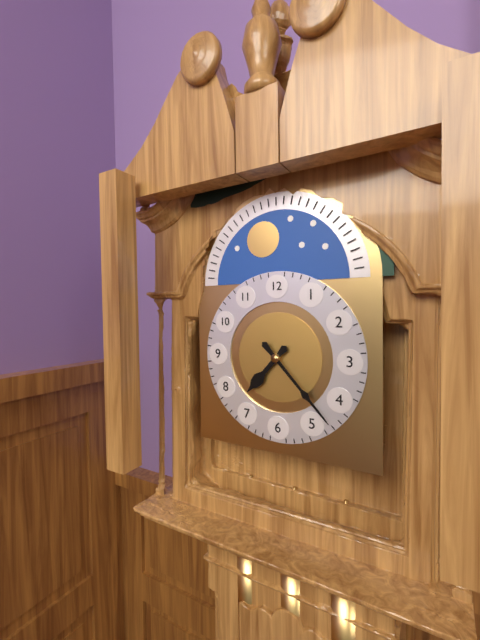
7,23
